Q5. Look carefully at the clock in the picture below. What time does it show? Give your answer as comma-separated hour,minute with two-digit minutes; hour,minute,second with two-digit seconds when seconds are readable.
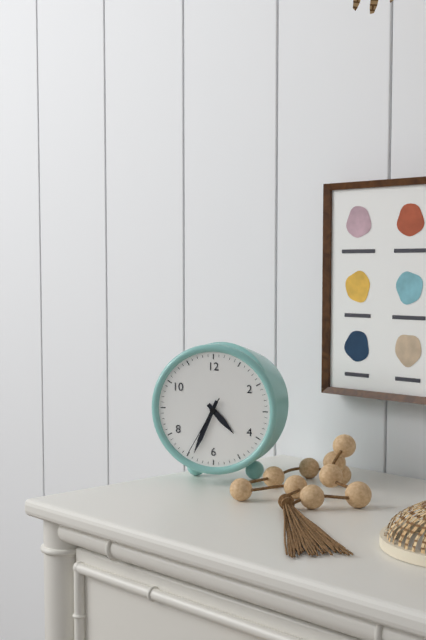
4,34,35
